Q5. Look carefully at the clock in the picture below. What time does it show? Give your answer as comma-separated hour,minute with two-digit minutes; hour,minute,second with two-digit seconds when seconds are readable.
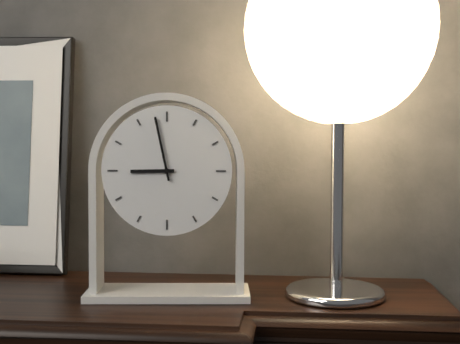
8,58
